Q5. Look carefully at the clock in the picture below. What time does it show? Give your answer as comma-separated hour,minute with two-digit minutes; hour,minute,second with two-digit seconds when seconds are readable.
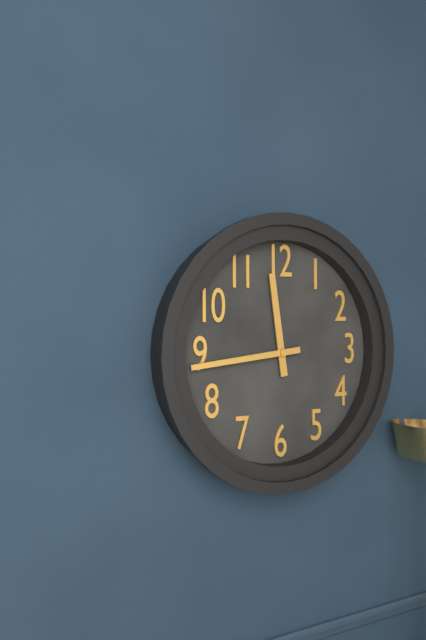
11,44
